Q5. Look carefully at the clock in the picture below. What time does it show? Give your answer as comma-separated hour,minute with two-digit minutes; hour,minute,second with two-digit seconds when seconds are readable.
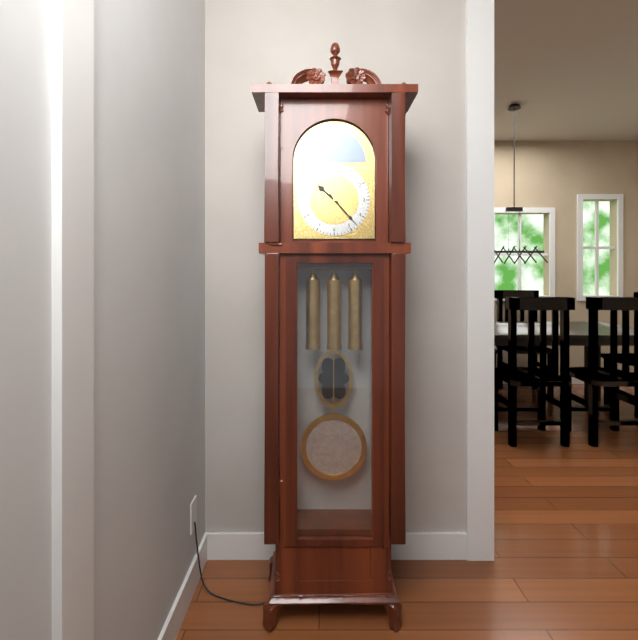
10,23
